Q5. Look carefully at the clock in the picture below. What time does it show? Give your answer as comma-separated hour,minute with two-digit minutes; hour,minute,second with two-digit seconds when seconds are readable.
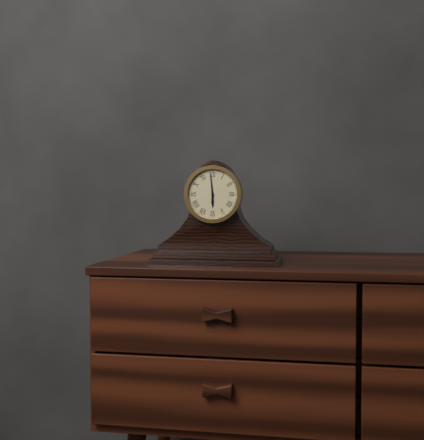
5,59
